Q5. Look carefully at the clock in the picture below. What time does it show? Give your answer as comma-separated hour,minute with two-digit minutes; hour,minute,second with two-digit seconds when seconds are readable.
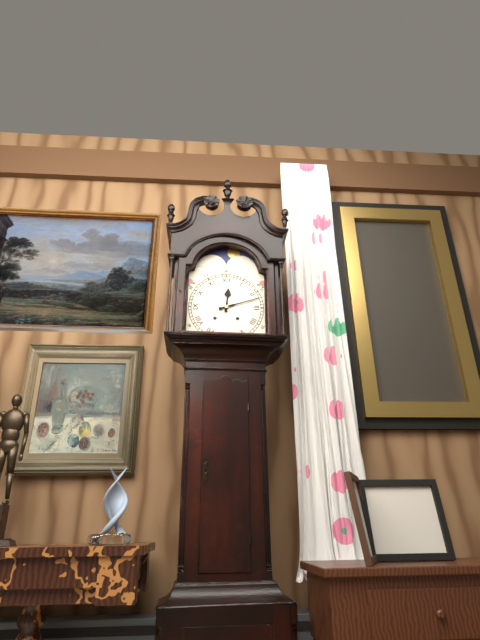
12,12
